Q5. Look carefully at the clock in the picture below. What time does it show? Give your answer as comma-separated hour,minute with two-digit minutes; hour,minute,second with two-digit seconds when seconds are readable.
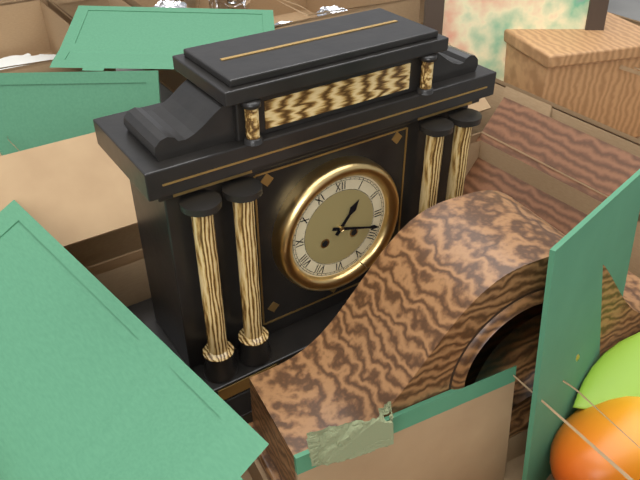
1,18
